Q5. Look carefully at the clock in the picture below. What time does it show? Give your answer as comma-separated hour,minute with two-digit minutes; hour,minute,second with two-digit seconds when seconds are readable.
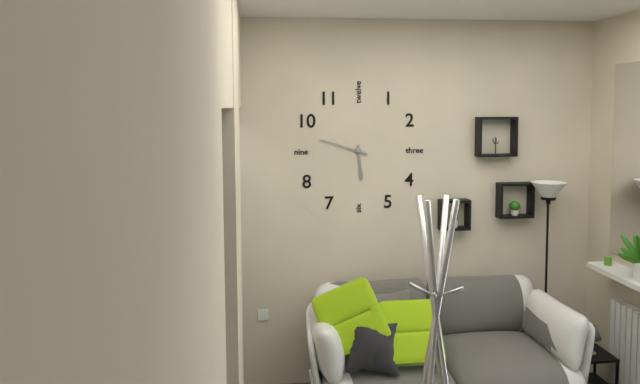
5,48
